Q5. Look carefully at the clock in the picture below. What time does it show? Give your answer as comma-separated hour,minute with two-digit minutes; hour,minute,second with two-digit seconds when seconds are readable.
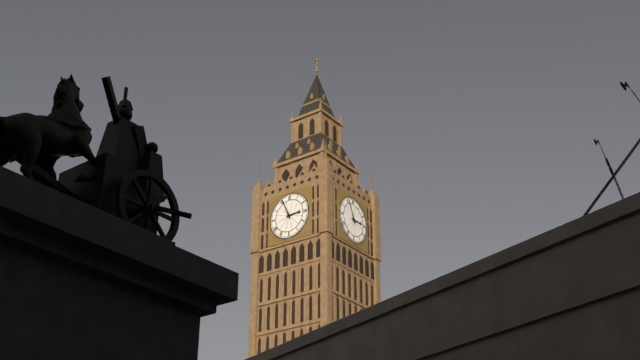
2,56
